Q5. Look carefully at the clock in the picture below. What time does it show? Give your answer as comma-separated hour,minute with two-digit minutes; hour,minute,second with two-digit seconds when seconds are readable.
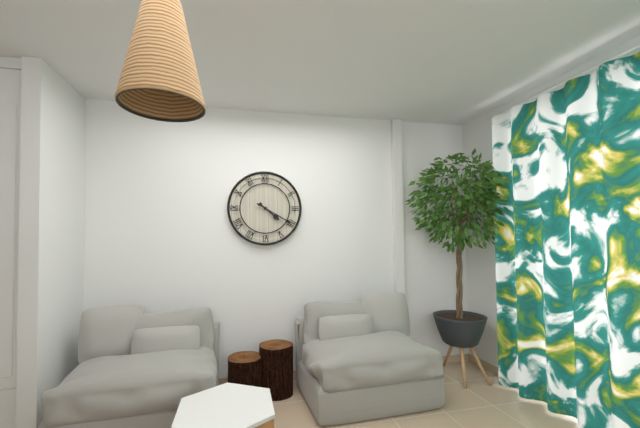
4,20
